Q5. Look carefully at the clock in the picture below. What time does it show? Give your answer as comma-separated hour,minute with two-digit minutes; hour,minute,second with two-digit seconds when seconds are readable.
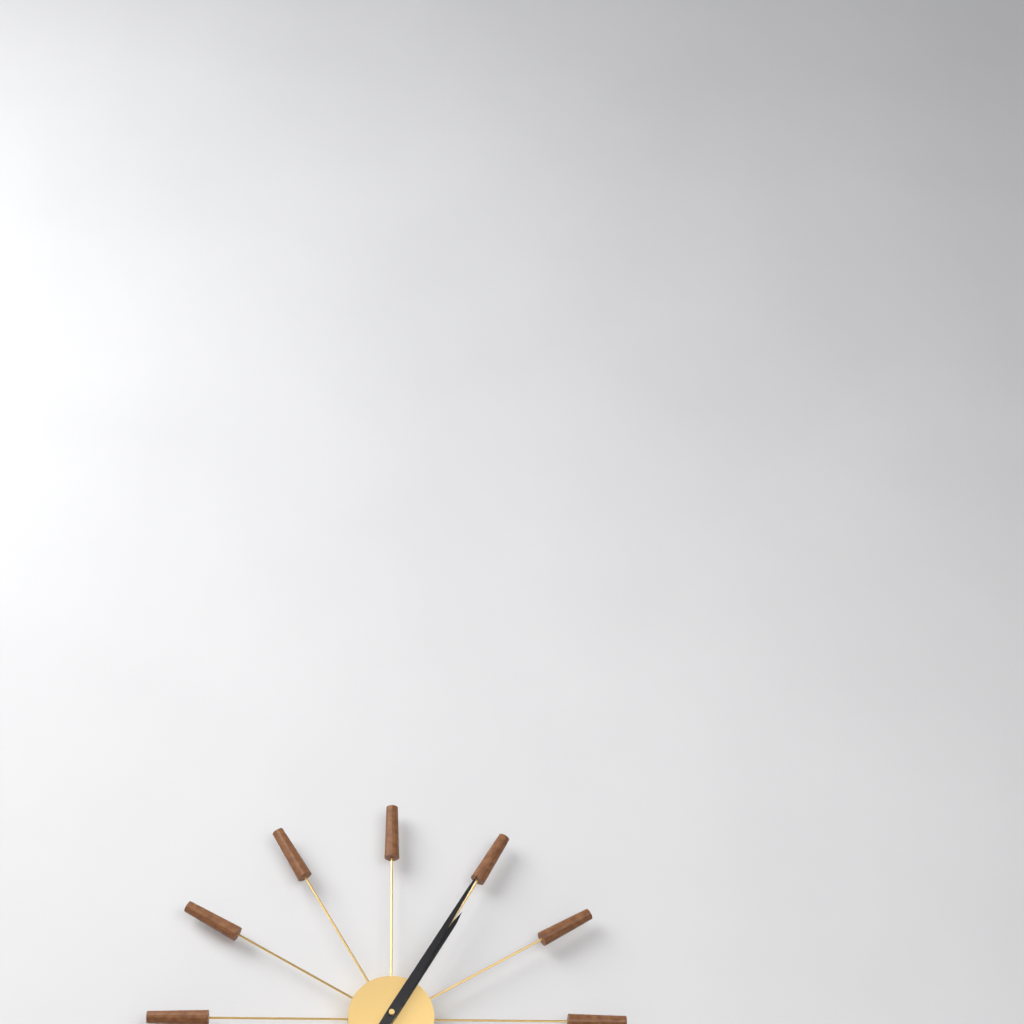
1,05
